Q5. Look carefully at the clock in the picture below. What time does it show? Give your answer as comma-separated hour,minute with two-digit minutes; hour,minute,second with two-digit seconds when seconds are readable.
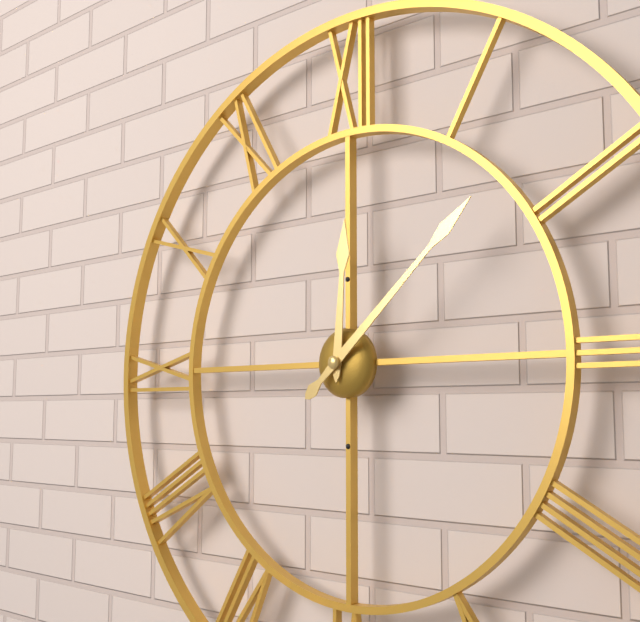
12,08
